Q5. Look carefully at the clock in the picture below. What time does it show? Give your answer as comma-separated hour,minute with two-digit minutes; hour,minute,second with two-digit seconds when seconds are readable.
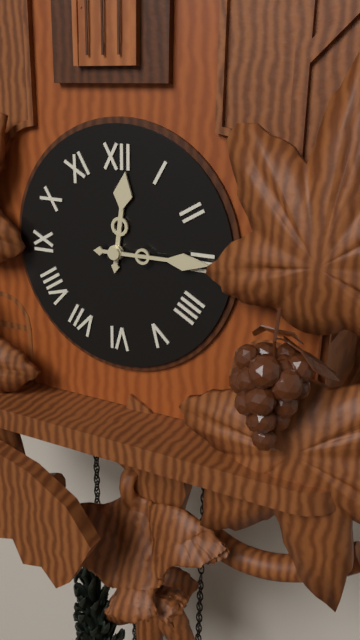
12,15
